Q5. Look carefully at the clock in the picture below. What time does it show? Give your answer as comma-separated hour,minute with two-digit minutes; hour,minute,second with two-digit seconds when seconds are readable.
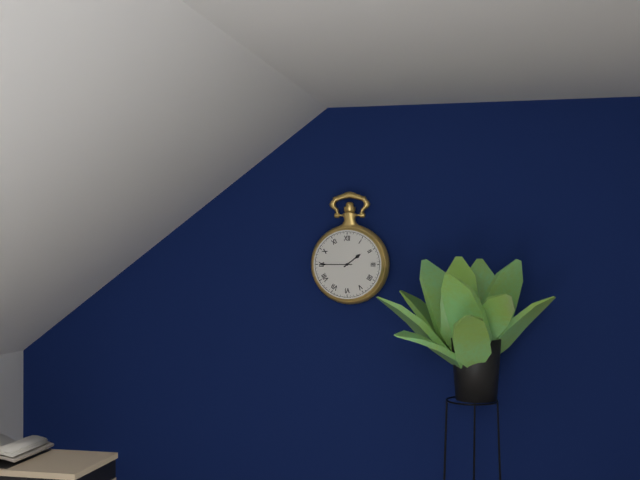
1,45
